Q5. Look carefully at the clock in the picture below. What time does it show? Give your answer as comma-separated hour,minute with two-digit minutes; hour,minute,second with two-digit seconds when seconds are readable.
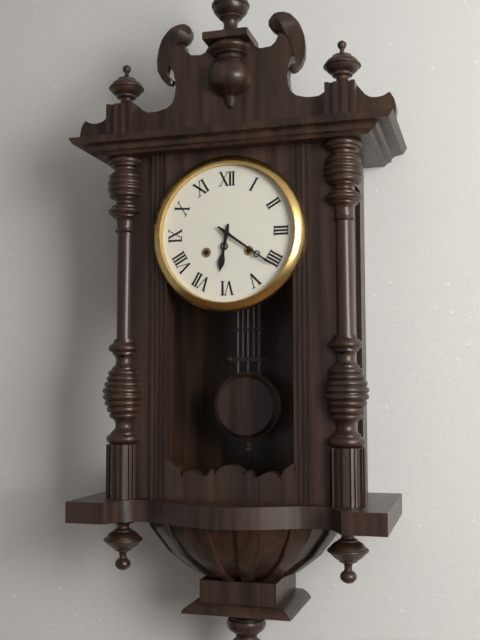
6,21
